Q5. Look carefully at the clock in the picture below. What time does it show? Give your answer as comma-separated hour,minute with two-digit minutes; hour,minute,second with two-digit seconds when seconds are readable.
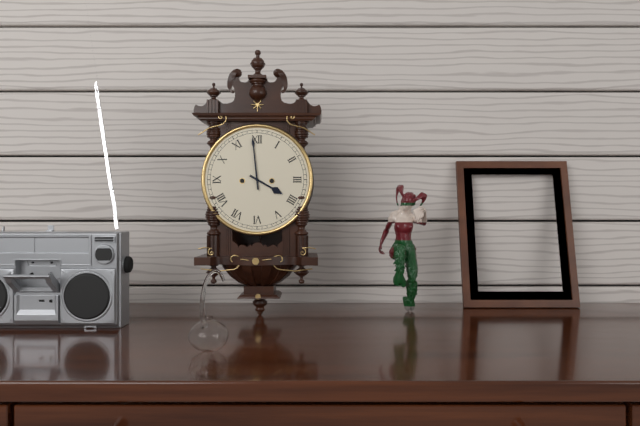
3,59
